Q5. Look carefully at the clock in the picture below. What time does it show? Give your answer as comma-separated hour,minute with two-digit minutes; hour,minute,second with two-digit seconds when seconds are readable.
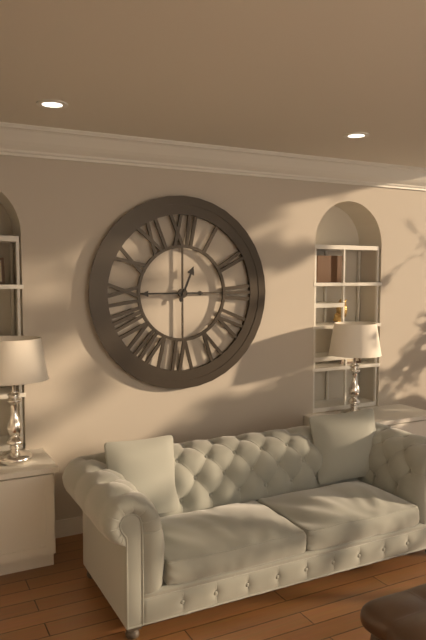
12,45
